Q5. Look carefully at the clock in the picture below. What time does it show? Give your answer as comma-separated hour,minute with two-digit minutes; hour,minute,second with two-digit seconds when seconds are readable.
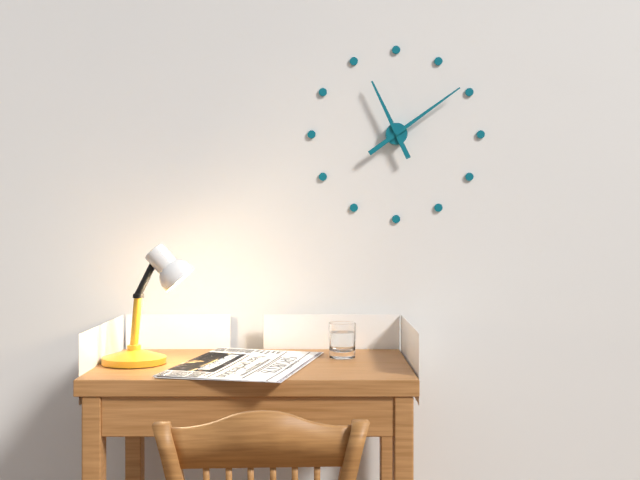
11,09
